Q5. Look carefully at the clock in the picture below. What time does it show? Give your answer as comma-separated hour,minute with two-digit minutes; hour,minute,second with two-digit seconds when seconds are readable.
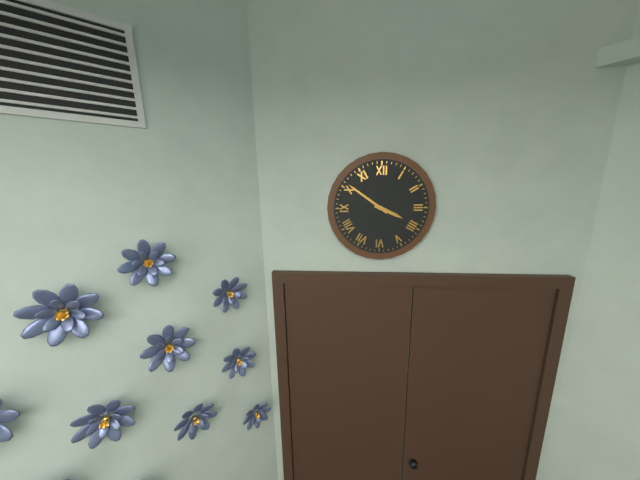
3,51
